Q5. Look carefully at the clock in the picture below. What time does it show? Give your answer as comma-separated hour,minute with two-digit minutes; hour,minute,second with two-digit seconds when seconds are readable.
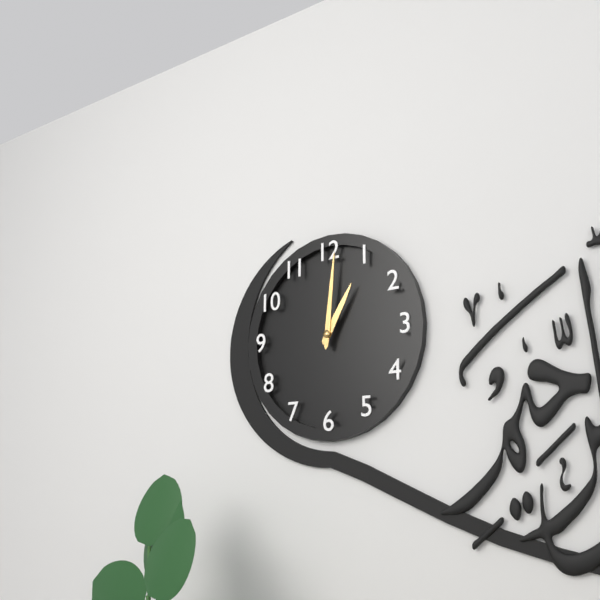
1,01
